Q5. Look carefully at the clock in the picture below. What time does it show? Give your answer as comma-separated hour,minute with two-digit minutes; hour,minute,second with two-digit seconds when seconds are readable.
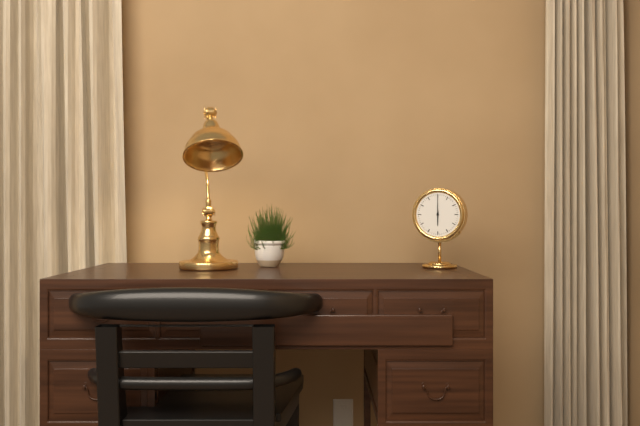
6,00
